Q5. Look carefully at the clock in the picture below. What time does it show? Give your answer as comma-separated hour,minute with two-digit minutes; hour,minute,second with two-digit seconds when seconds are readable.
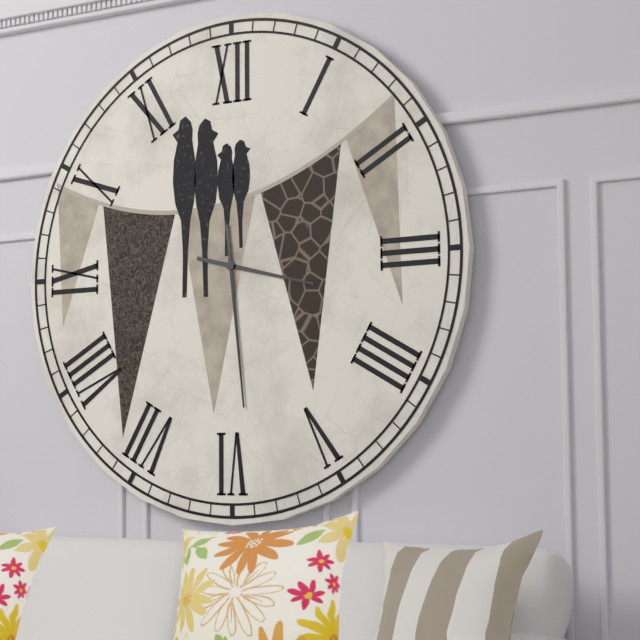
3,29
